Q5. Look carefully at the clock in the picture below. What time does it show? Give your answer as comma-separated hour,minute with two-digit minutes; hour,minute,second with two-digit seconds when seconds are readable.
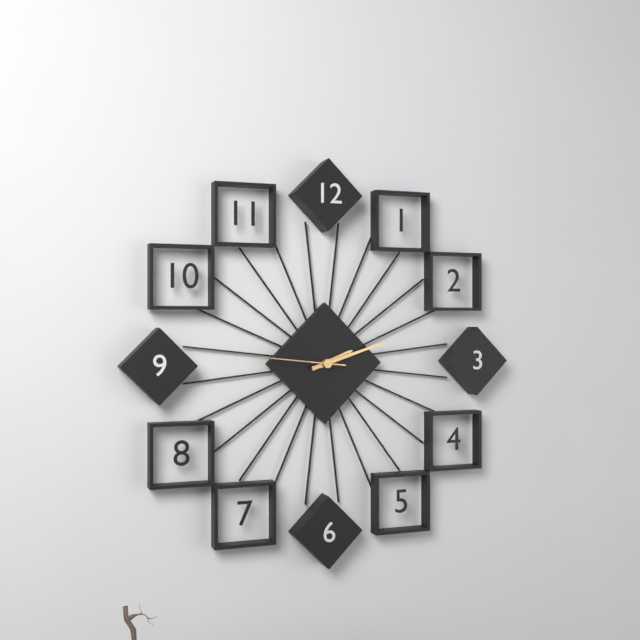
2,12,46
